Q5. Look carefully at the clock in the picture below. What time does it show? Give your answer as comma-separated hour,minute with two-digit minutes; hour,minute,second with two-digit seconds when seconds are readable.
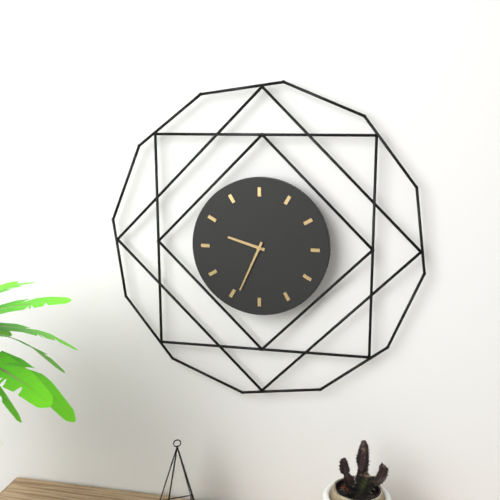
9,34
